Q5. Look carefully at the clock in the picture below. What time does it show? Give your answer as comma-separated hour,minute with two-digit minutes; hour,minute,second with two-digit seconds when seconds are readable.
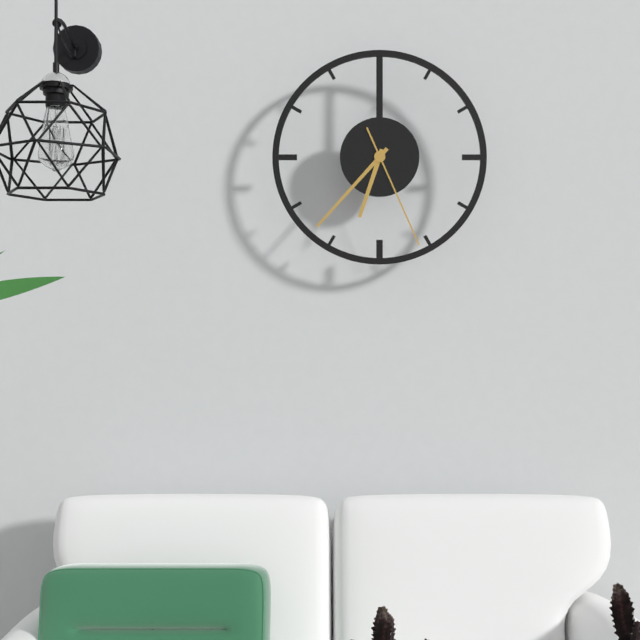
6,37,26
